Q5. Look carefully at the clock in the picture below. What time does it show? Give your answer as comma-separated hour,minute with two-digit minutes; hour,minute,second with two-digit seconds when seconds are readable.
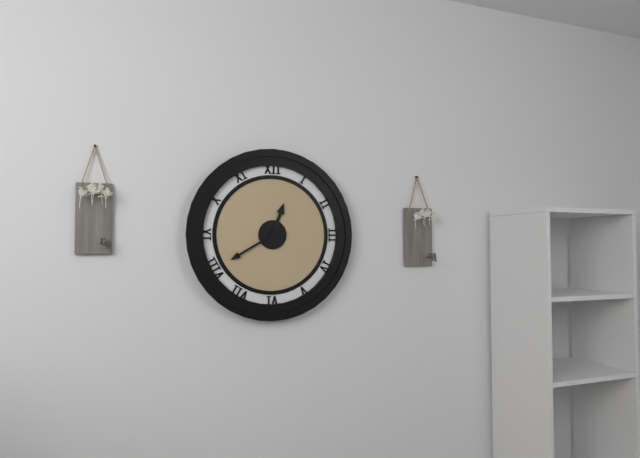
12,40
